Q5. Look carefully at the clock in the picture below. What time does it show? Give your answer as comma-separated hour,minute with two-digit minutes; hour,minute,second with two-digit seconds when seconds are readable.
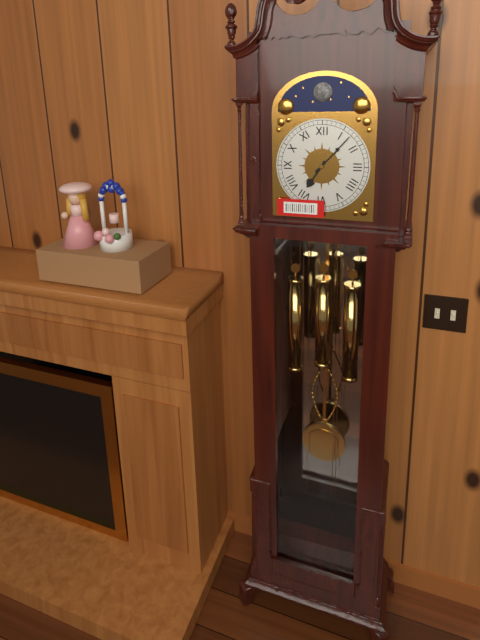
7,07
